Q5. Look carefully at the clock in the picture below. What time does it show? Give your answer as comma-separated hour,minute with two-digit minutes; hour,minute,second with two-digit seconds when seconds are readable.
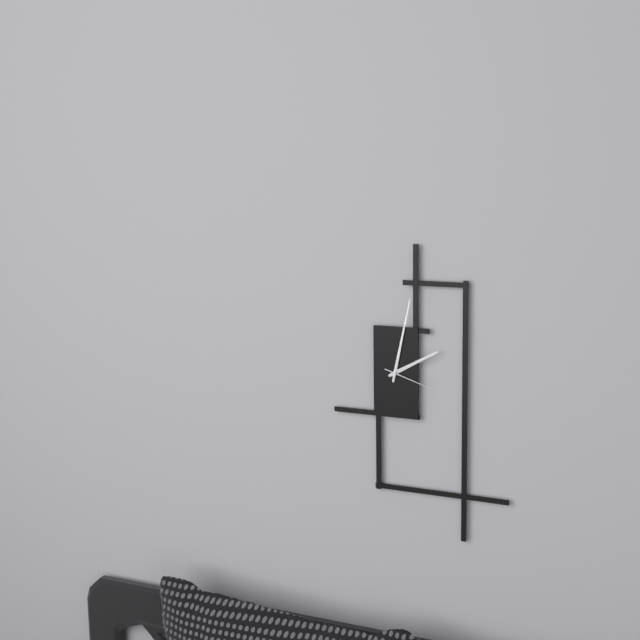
2,02
